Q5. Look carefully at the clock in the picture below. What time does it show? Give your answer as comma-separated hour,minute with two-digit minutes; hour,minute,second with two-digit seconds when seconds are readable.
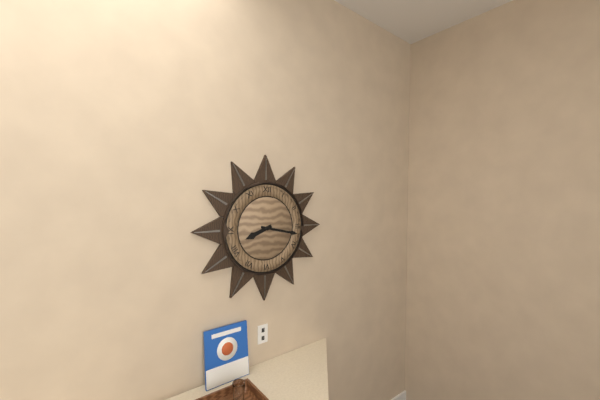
8,17
